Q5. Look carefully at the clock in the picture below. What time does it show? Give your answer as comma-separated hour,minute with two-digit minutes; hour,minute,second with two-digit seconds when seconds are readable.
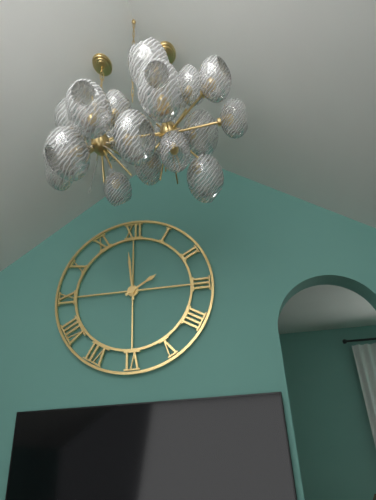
1,59
